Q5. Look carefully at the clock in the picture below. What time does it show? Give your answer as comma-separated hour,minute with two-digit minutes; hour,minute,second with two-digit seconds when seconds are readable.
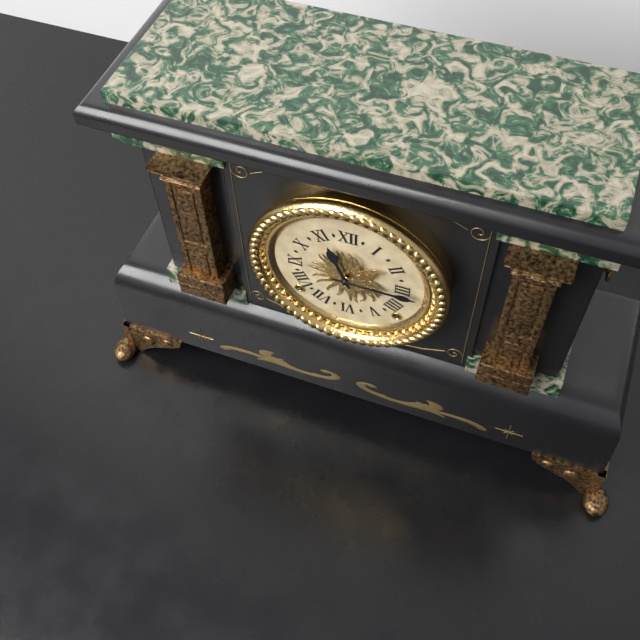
11,15
